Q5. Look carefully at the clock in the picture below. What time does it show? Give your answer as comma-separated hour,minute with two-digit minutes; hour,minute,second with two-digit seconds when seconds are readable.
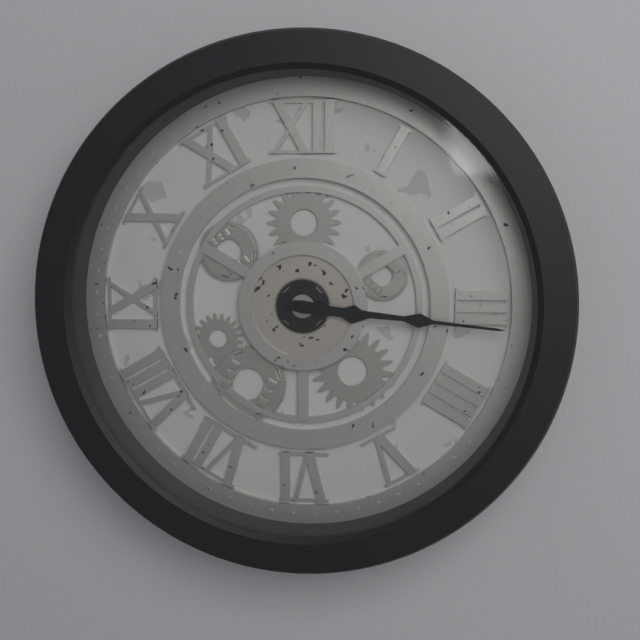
3,16
